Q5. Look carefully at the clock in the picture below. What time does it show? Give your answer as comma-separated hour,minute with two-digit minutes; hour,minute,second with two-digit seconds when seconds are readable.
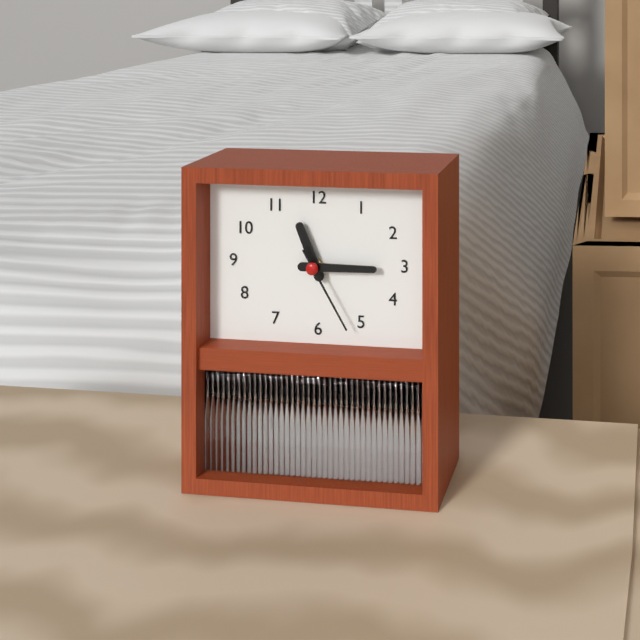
11,15,25
